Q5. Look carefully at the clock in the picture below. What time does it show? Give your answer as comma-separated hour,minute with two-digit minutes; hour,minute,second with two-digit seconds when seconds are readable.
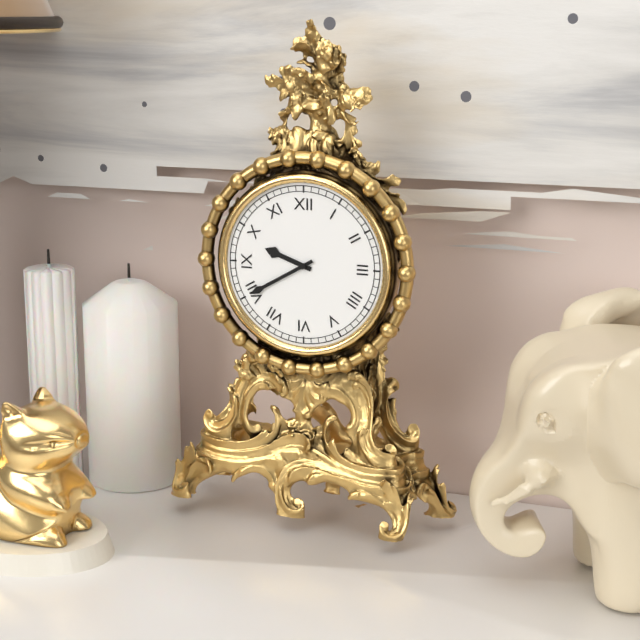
9,40
